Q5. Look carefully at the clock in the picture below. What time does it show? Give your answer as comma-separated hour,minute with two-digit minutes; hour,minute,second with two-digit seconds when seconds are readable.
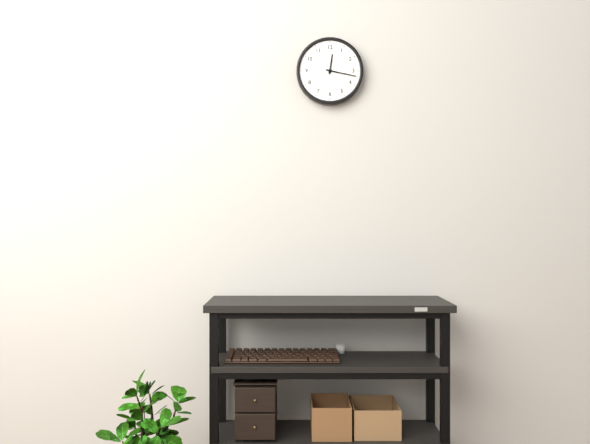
12,17
